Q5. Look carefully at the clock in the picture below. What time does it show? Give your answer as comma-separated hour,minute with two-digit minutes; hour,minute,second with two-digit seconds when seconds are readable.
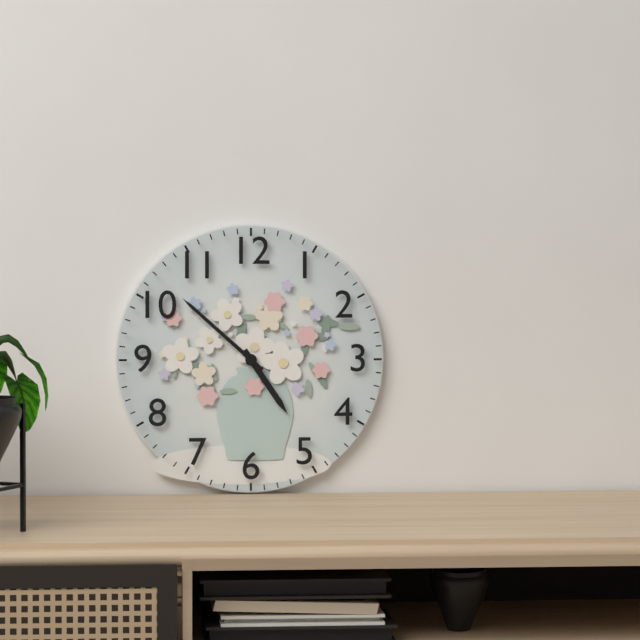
4,52
